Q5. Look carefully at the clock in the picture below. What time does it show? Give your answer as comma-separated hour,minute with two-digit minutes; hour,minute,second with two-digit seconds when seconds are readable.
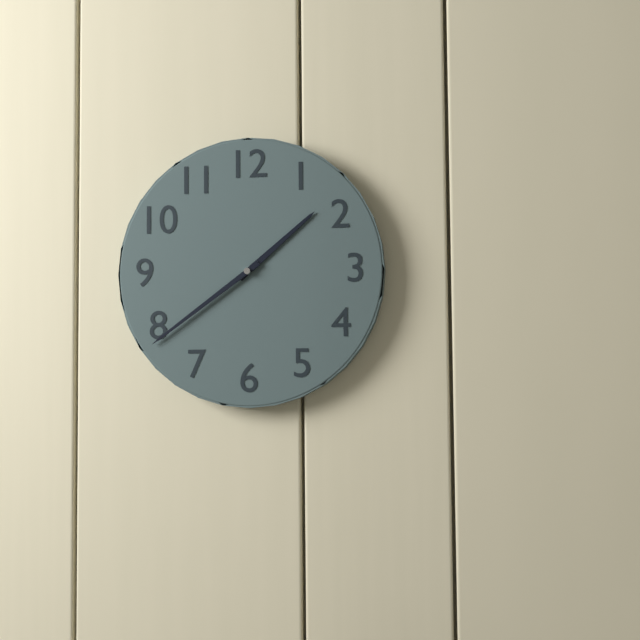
1,39
